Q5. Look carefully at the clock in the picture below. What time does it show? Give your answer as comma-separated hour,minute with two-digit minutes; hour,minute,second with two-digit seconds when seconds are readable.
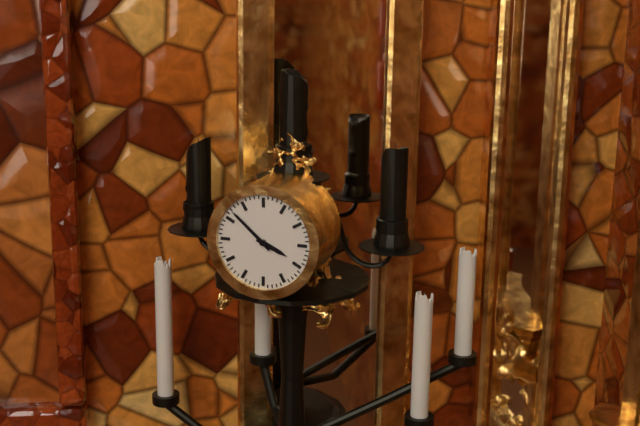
3,52
